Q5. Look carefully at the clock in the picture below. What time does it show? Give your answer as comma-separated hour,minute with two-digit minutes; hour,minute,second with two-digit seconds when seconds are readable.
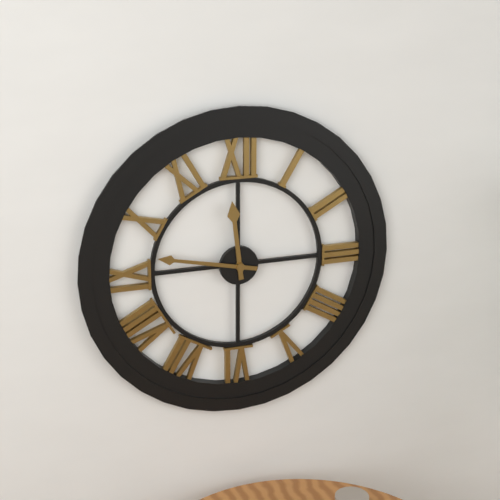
11,47
